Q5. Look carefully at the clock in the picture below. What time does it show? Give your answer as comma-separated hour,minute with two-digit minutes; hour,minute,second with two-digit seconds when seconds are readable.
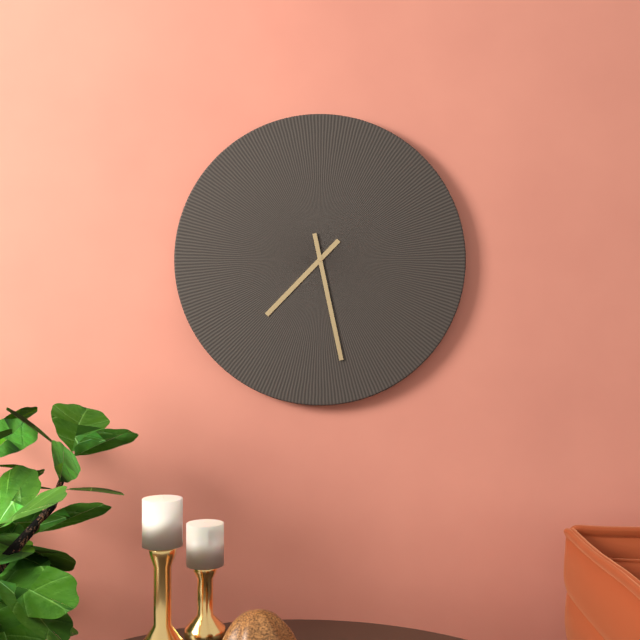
7,28
